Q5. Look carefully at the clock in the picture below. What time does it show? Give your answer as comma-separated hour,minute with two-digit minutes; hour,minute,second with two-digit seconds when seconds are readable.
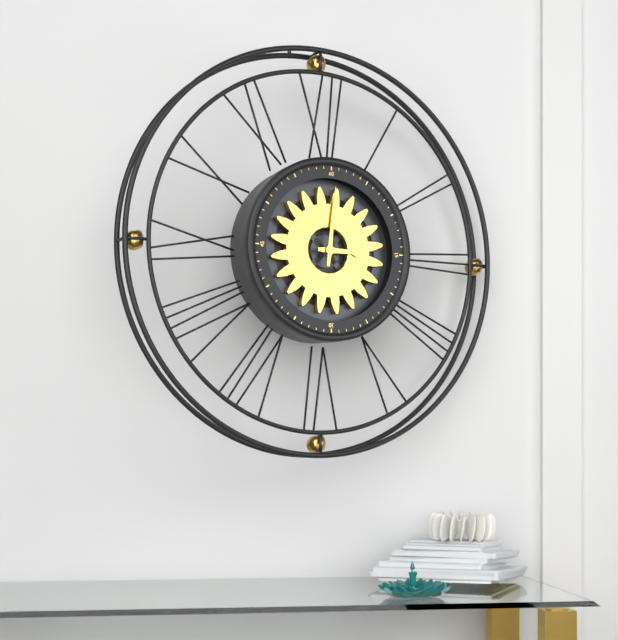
3,01
